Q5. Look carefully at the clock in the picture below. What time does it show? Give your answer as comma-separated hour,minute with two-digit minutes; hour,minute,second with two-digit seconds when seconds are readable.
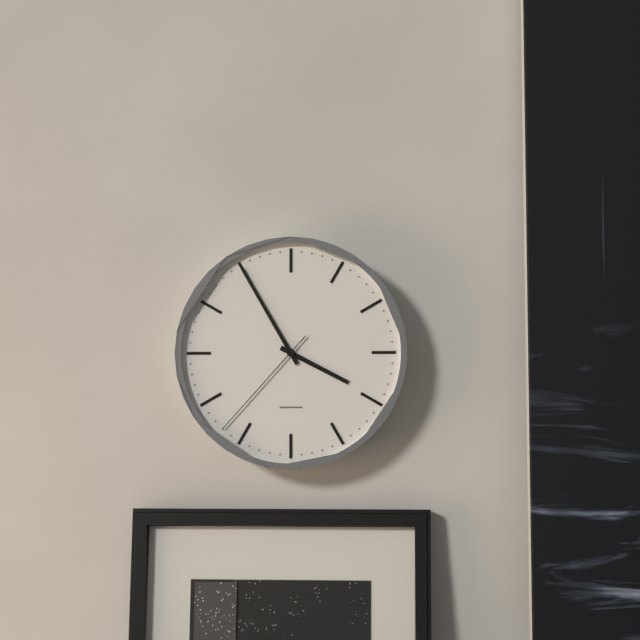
3,55,37
